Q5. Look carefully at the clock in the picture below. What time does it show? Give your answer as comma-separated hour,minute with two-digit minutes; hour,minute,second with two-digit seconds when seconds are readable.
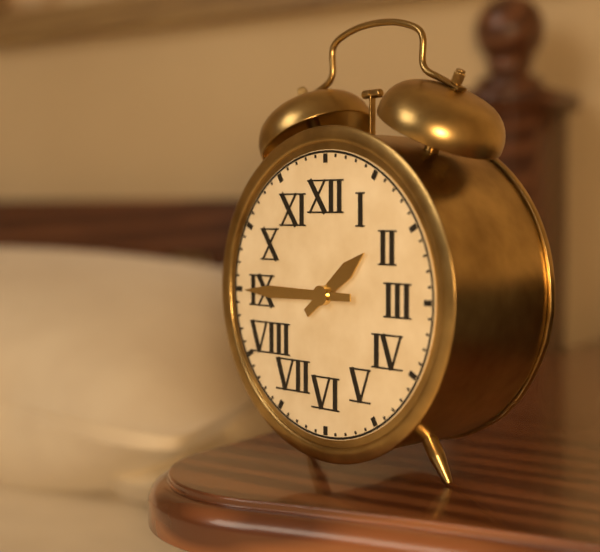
1,45
